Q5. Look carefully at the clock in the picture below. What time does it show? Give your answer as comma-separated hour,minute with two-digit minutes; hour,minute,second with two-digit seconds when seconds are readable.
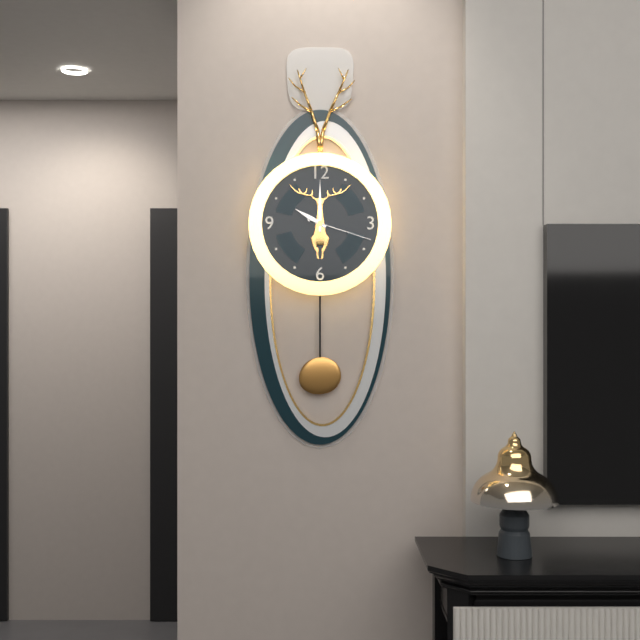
10,00,18
